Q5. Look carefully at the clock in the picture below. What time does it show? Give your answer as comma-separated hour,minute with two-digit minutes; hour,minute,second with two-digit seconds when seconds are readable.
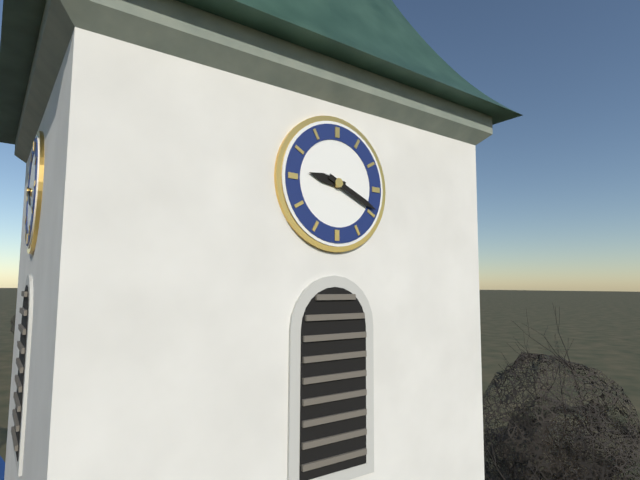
9,19
